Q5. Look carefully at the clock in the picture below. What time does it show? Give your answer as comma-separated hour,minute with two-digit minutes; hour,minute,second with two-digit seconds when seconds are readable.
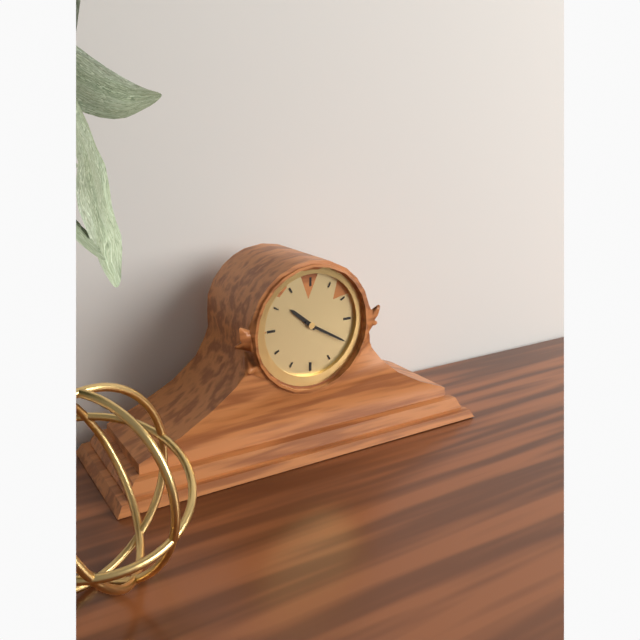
10,20
